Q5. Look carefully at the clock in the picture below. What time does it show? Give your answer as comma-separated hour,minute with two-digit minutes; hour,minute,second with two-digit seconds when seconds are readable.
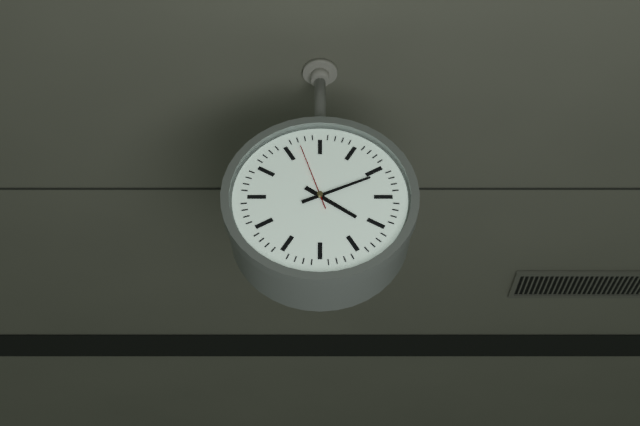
4,11,57
